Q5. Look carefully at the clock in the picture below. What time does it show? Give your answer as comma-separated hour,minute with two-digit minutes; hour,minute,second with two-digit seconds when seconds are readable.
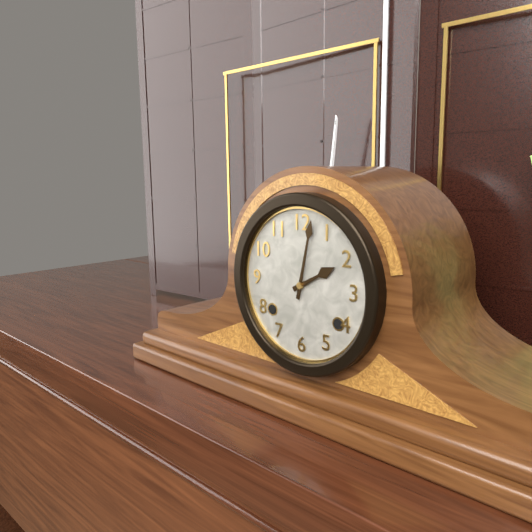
2,02
